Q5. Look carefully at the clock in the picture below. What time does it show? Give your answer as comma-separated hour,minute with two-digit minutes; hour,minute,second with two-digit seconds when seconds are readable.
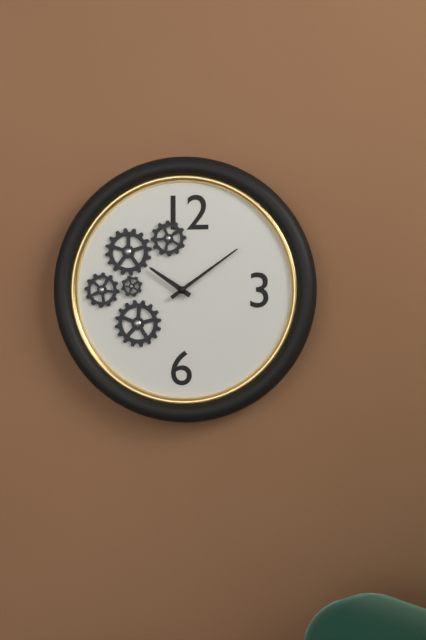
10,09
